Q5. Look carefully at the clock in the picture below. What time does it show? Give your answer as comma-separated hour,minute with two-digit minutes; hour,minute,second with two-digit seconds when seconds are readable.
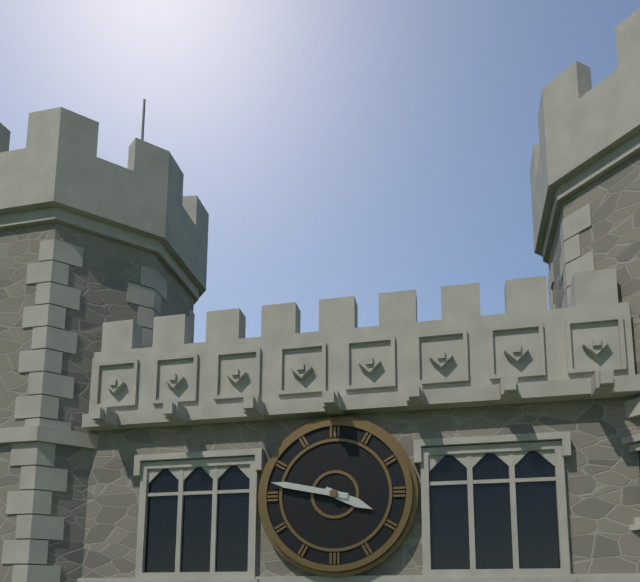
3,47
